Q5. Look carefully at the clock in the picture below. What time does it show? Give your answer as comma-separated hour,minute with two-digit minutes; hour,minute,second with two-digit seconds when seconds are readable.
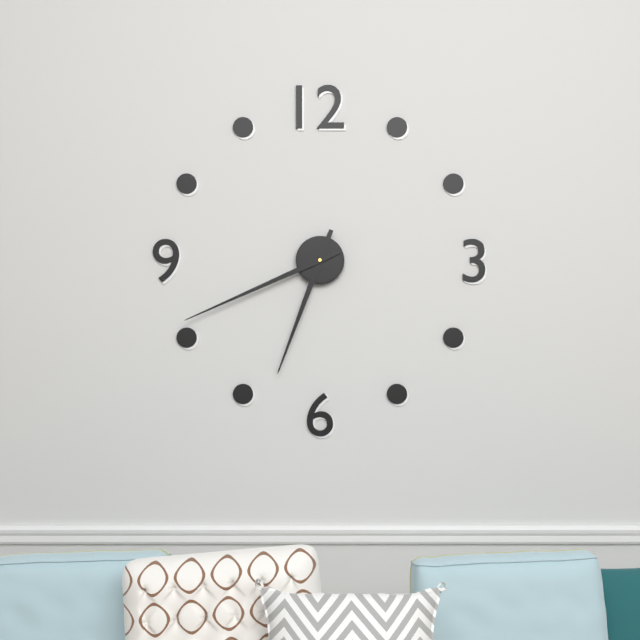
6,41
